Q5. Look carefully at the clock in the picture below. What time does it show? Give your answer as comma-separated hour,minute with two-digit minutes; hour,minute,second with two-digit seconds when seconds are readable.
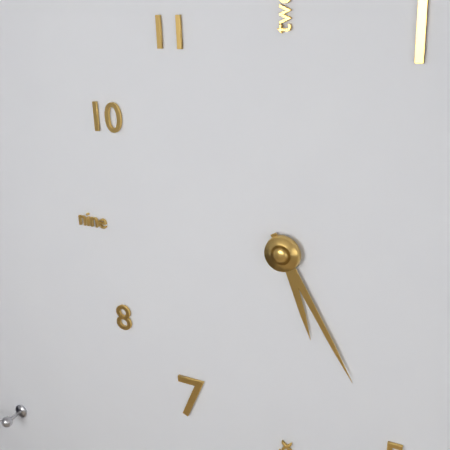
5,25
